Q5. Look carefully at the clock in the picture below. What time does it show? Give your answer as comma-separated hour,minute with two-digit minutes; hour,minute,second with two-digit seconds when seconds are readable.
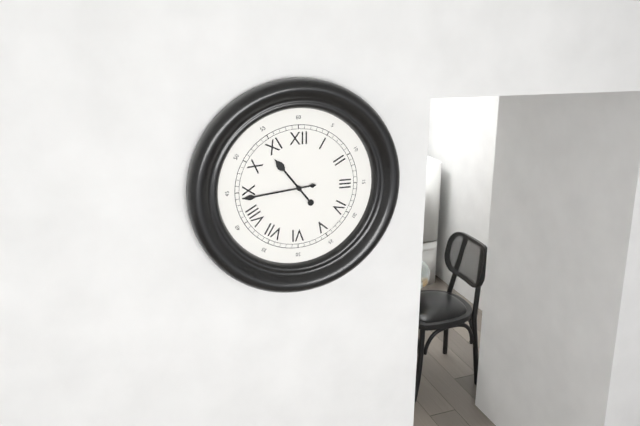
10,44
